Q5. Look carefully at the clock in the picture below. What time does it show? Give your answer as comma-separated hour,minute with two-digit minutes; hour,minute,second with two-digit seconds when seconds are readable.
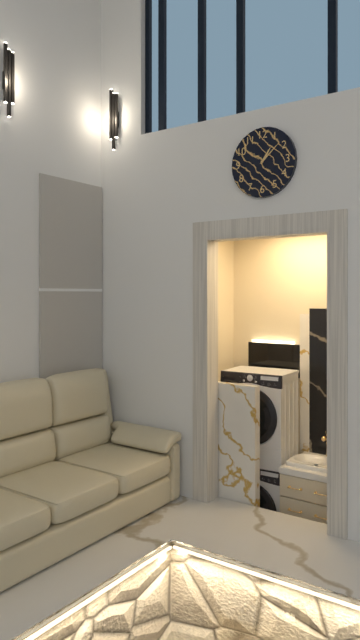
1,08
